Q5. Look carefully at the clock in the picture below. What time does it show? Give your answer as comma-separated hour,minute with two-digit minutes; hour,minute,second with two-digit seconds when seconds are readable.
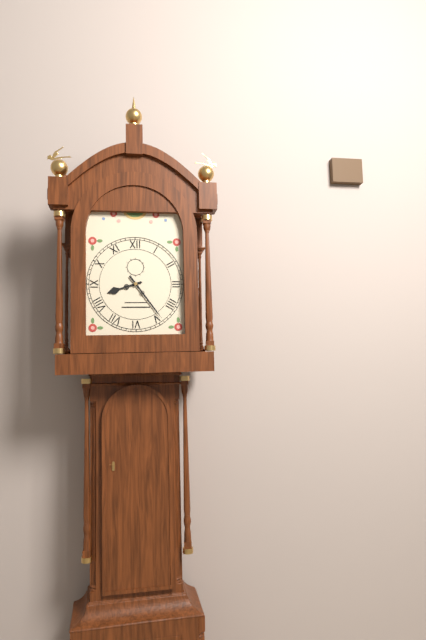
8,24
